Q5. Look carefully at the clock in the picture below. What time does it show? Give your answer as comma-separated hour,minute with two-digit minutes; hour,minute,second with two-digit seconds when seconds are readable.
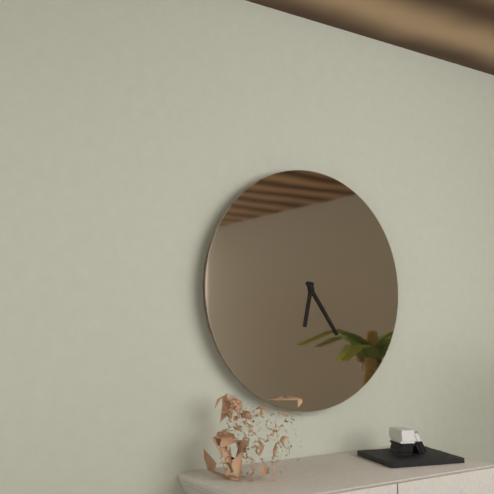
6,24
